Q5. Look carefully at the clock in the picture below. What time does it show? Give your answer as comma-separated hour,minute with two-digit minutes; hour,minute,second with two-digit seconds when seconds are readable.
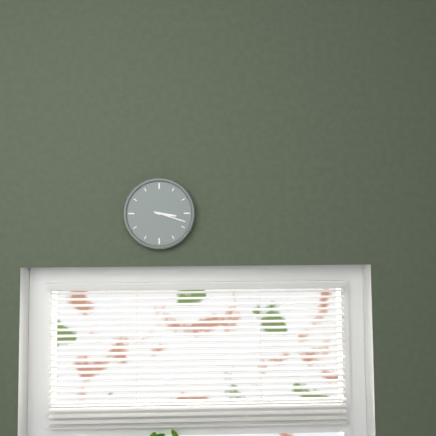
3,18
